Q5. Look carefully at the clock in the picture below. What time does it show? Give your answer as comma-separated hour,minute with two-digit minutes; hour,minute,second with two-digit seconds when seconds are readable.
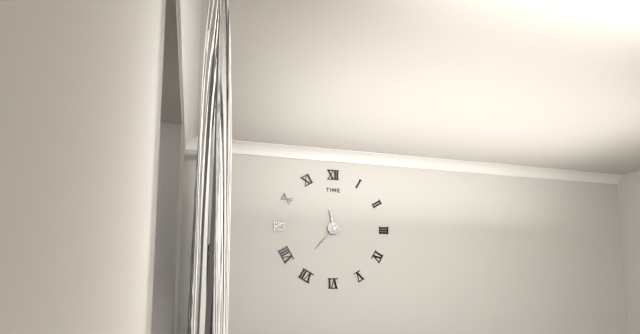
11,37
